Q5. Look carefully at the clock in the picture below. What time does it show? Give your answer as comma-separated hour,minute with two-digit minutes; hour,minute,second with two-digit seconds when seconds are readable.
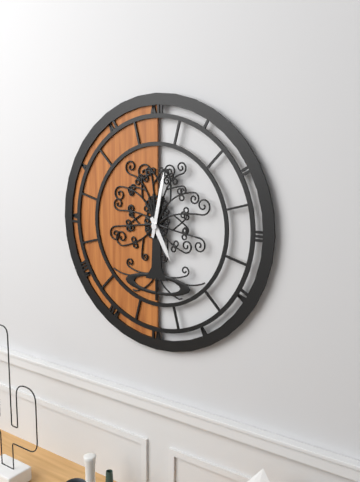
5,02
